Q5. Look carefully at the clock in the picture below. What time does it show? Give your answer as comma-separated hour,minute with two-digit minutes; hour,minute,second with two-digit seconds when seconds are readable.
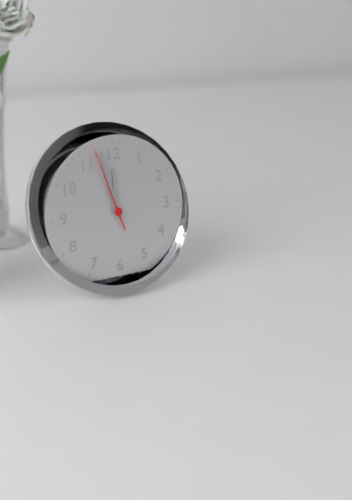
11,58,57
